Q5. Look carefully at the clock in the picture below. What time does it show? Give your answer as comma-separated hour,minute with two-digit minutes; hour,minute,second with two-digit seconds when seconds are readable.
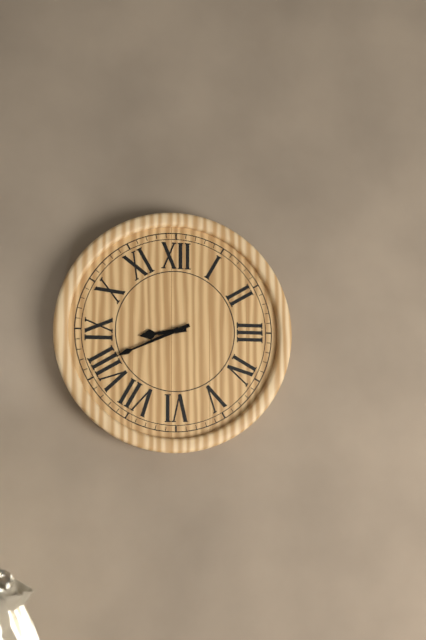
8,41
